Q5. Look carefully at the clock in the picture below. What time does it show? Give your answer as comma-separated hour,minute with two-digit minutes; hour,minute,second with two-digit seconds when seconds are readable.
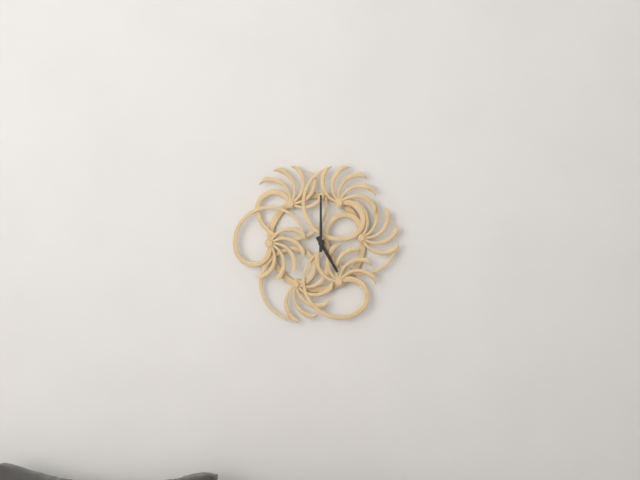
5,00
